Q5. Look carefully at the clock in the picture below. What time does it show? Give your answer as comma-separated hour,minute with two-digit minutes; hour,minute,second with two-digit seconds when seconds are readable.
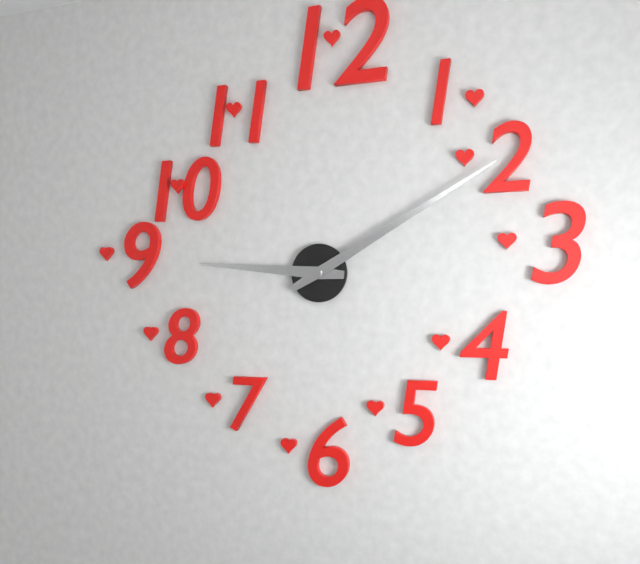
9,10
